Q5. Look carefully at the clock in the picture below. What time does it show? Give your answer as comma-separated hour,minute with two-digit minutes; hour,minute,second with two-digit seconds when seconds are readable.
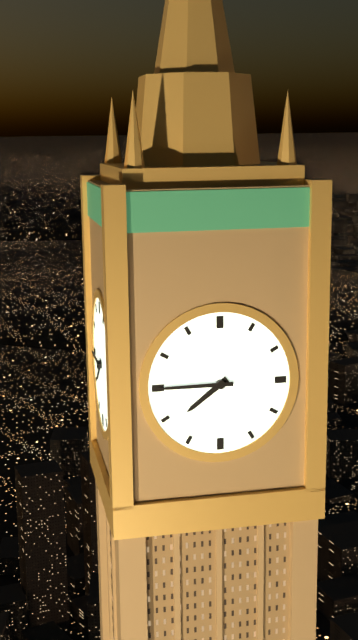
7,45
